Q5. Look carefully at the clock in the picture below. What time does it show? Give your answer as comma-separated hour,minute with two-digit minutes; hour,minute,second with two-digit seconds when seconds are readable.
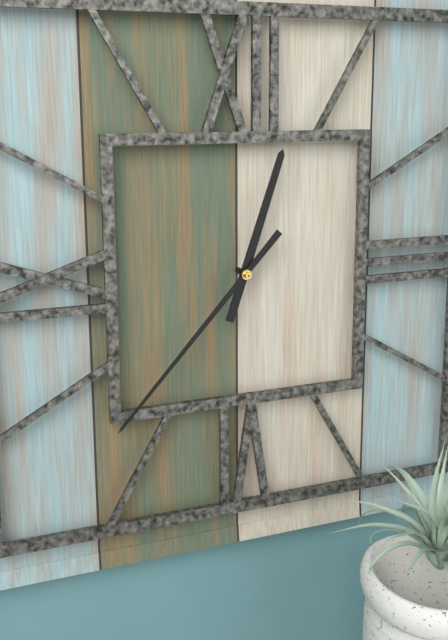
12,37
